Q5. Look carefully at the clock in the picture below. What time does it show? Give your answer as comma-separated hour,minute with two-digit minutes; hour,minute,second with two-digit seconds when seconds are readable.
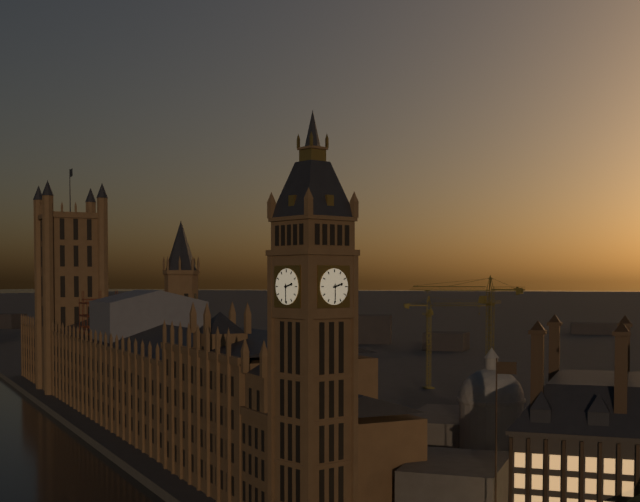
2,30
